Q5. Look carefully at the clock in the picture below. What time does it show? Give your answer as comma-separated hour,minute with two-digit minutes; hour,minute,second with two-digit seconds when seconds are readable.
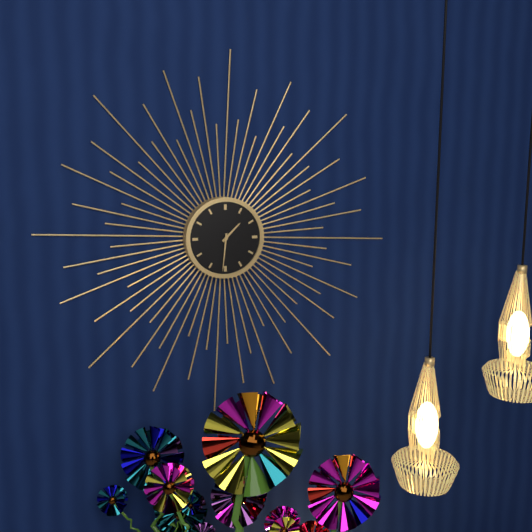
1,31
